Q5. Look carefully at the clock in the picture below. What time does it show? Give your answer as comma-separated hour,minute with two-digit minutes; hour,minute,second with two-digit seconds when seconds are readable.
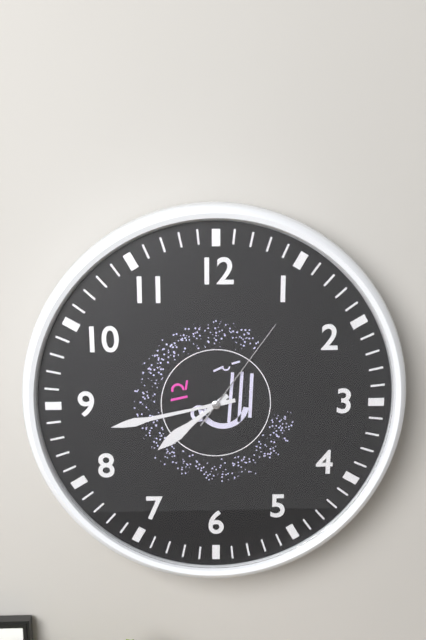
7,43,06
